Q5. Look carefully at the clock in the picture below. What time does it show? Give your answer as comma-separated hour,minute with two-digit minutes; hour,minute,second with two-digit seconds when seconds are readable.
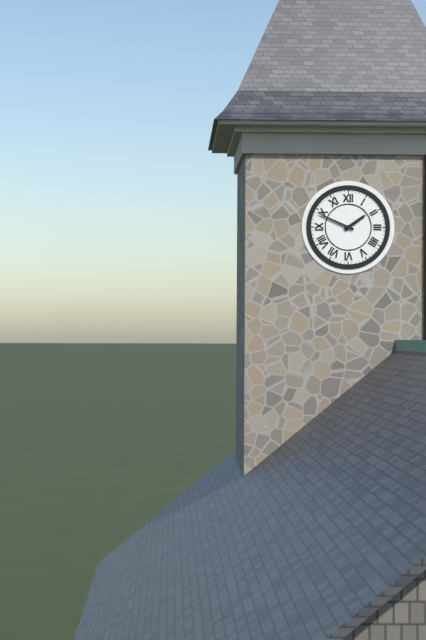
1,49
